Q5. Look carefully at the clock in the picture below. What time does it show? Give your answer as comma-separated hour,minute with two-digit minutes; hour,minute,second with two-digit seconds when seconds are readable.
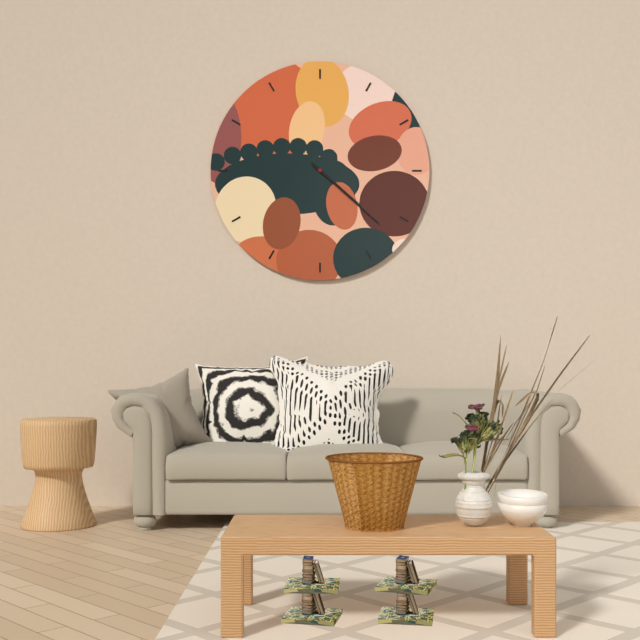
4,22
